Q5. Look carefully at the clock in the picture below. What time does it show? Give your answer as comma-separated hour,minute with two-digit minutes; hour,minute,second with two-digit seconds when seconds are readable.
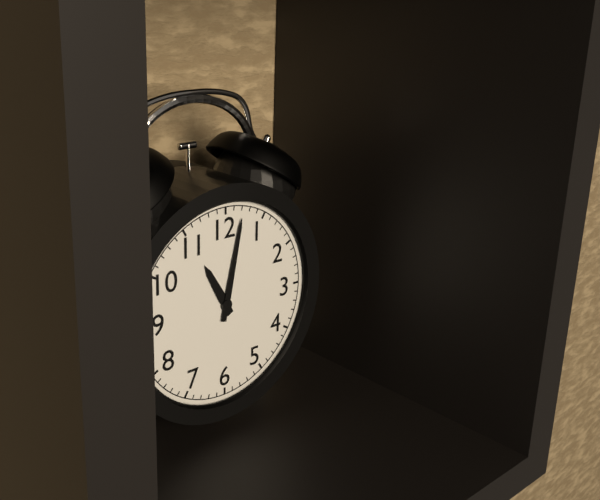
11,02
